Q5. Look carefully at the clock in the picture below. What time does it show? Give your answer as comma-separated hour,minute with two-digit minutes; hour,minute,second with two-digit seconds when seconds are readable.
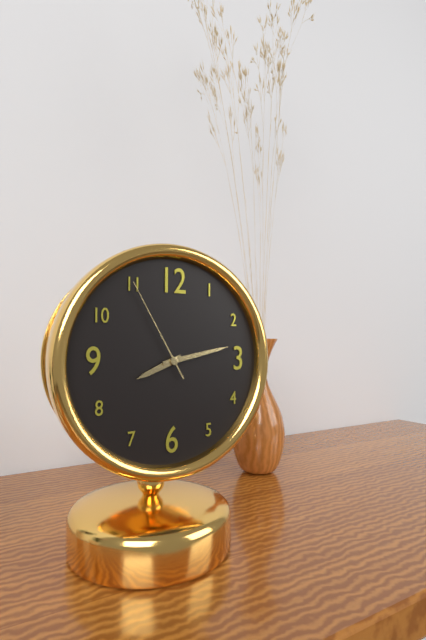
8,13,55
